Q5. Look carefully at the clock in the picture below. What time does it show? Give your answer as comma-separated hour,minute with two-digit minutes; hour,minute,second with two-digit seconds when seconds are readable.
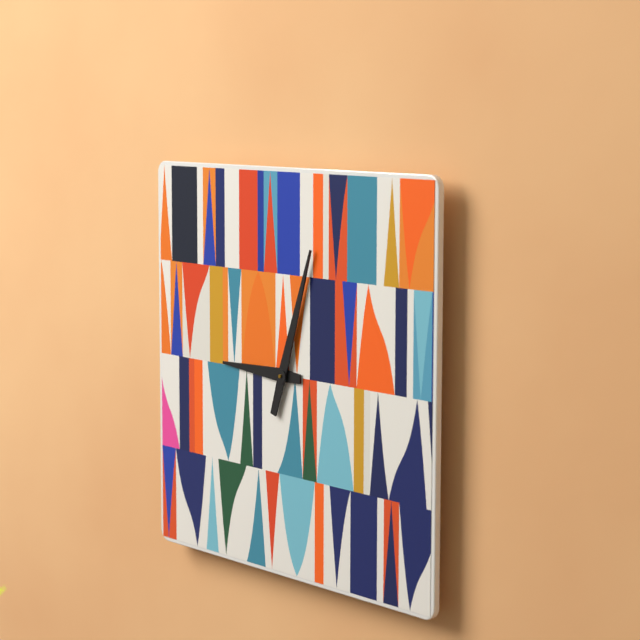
9,03
